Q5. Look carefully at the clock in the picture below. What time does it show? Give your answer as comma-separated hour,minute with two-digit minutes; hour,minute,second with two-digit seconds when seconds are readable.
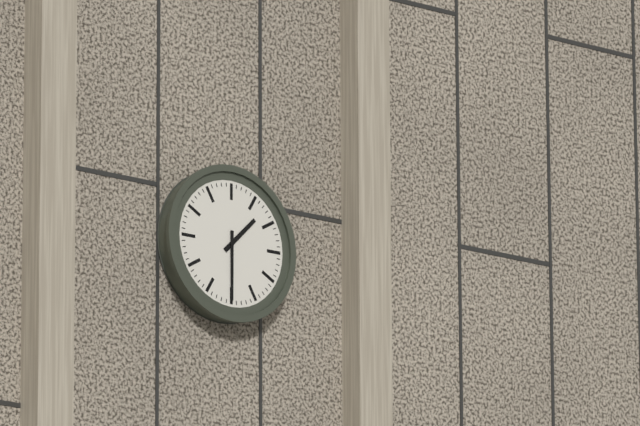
1,30
